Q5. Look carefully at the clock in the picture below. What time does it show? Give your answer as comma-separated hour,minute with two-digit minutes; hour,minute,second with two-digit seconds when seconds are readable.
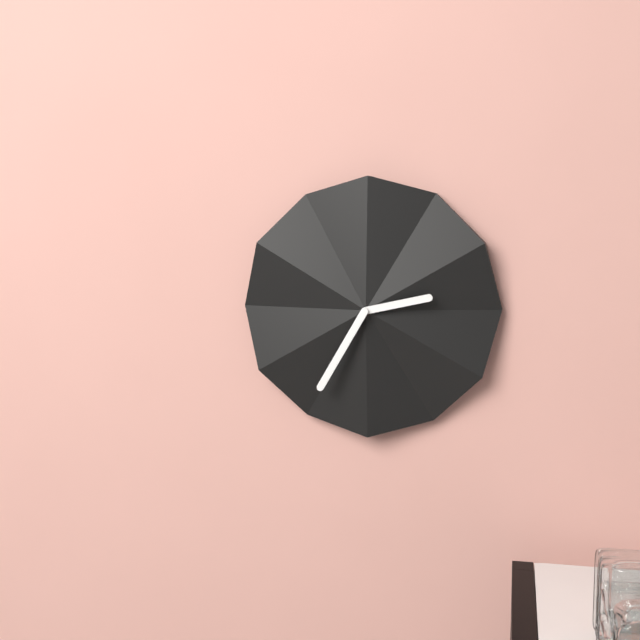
2,35
